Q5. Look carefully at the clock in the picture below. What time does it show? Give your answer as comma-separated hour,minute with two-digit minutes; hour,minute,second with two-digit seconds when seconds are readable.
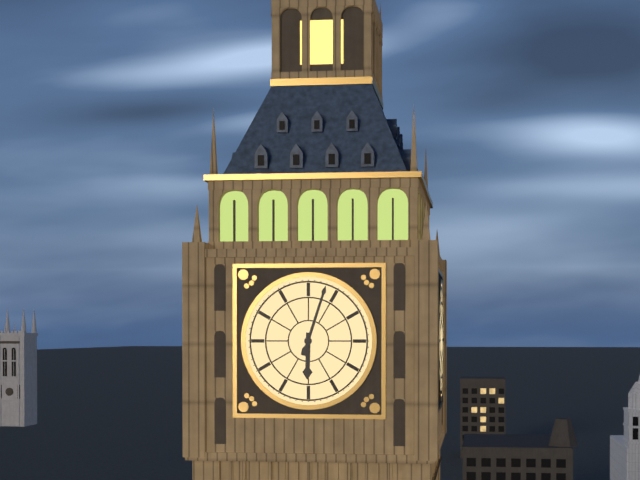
6,03
